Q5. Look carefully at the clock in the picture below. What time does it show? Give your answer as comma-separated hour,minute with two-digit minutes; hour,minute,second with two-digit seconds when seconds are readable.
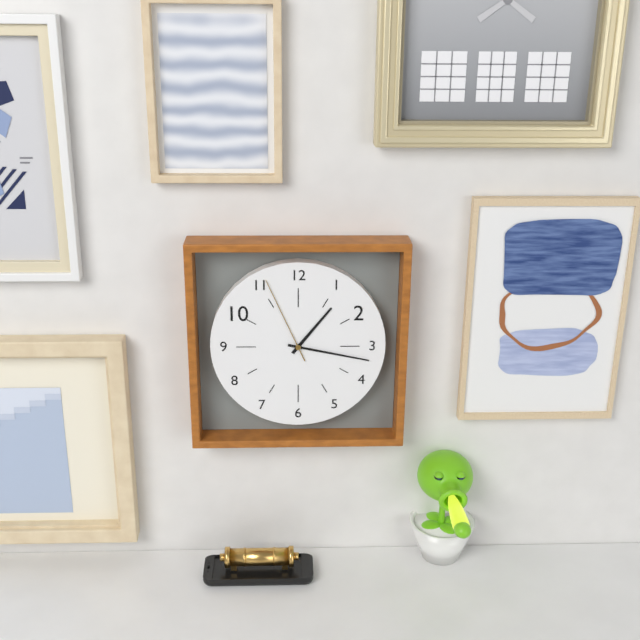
1,17,56
